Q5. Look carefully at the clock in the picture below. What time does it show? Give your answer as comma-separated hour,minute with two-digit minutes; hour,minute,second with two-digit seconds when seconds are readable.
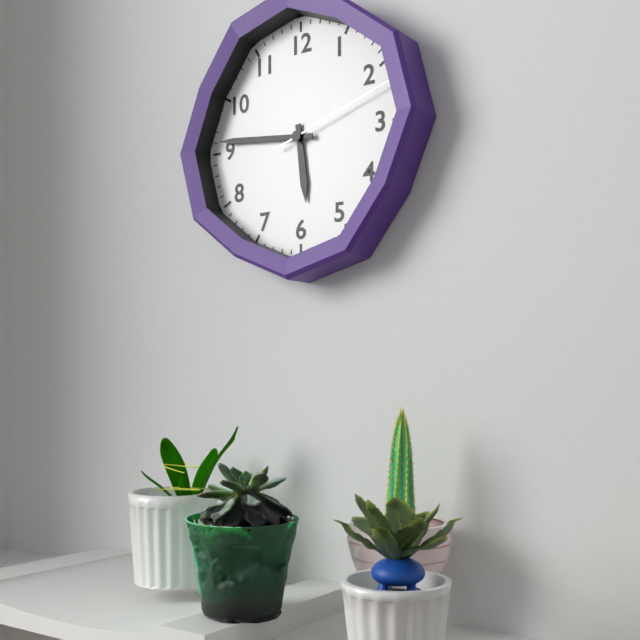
5,46,12
